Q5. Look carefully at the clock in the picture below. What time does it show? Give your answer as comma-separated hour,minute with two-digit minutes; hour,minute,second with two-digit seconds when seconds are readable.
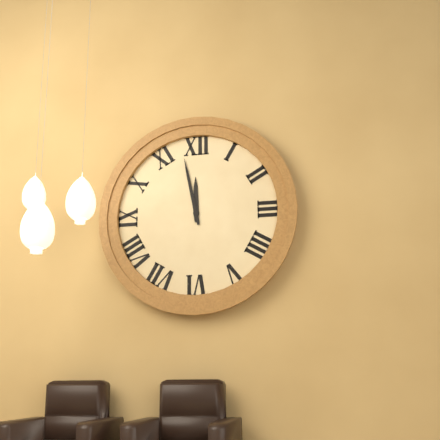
11,58
